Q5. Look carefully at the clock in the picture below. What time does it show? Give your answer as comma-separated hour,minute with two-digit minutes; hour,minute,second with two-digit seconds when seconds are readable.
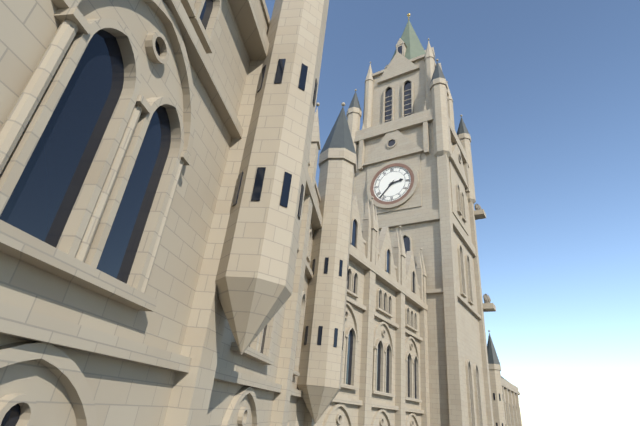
2,37
